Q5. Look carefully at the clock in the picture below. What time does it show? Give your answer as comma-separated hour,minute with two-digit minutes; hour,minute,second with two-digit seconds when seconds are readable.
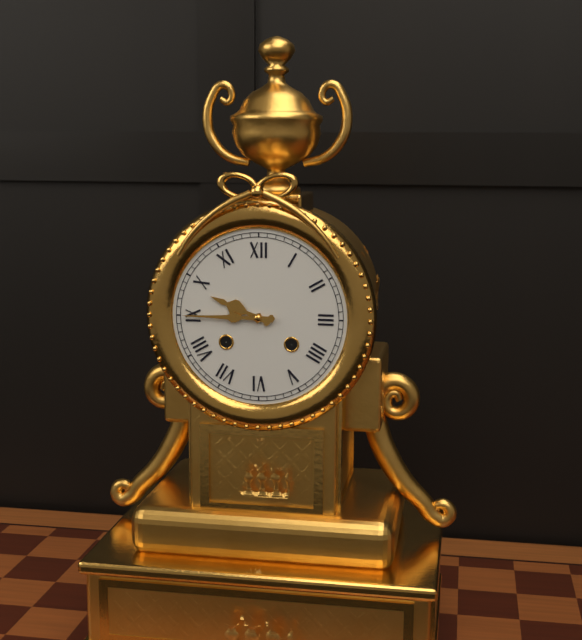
9,45
